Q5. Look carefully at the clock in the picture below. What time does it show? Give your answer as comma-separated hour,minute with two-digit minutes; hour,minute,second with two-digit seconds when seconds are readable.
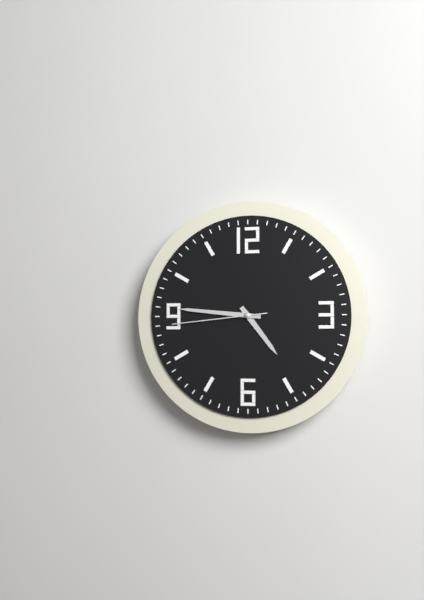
4,46,44
